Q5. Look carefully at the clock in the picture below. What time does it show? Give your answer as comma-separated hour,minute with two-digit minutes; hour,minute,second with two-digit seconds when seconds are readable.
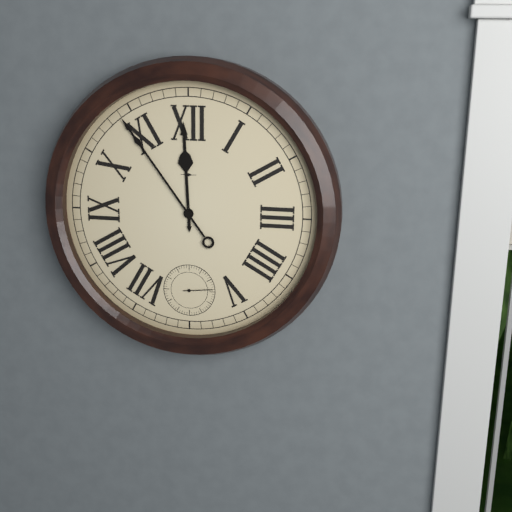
11,54
